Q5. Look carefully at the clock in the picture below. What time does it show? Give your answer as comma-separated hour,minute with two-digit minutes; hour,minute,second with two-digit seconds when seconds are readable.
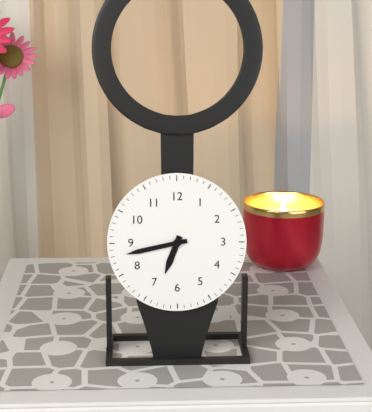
6,43
